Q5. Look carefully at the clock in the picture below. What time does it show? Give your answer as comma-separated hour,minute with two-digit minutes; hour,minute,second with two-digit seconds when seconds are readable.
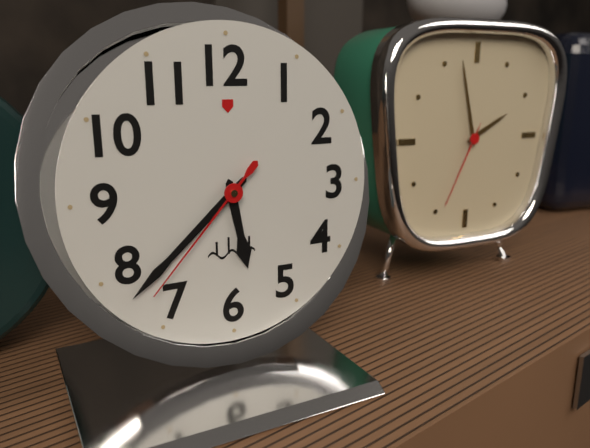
5,38,37
